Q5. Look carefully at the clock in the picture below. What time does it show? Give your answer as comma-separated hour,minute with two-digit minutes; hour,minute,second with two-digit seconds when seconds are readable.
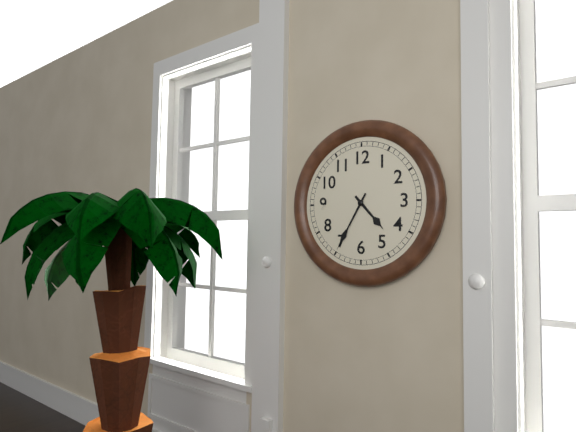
4,35
